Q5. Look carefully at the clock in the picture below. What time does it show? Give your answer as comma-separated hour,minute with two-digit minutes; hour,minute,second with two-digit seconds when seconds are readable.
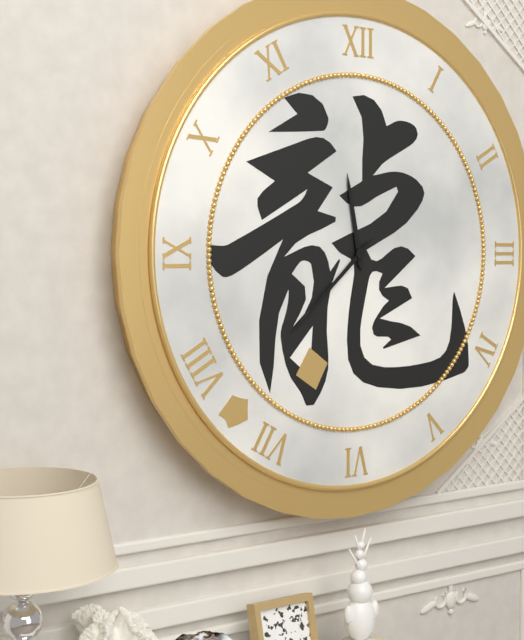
11,38
